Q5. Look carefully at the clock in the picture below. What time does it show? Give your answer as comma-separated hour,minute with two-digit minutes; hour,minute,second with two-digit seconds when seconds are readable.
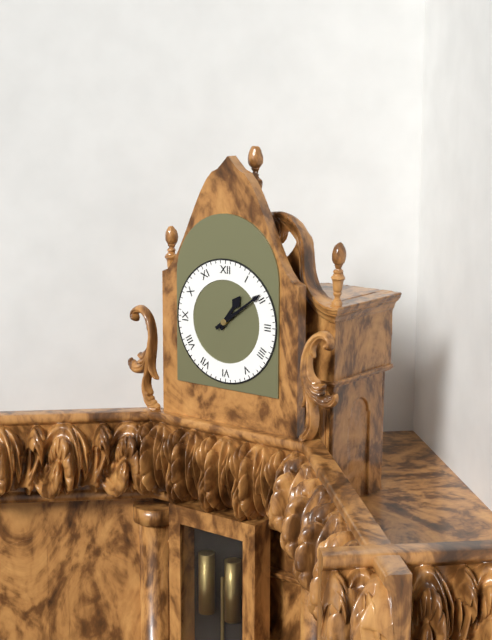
1,09
